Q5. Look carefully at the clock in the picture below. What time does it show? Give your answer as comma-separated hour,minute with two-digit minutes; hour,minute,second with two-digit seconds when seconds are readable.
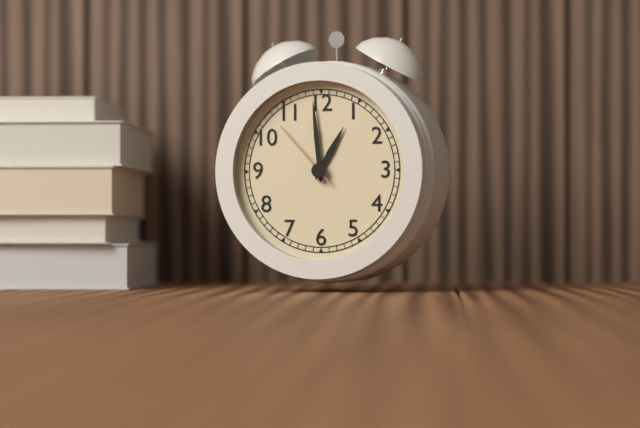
12,59,53
